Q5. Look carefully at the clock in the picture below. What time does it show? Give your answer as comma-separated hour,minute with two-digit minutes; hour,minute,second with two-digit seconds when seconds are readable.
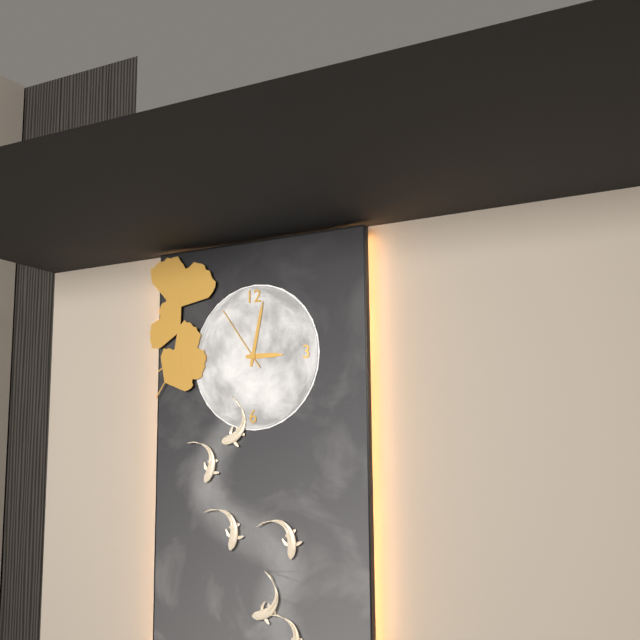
3,02,54
